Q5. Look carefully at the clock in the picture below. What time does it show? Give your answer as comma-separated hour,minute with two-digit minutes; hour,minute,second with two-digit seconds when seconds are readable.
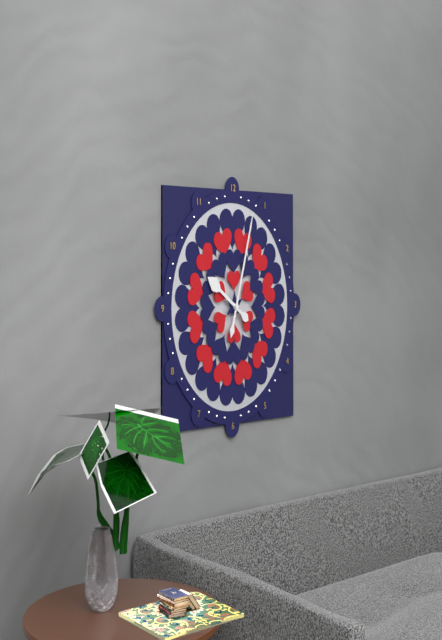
10,03
